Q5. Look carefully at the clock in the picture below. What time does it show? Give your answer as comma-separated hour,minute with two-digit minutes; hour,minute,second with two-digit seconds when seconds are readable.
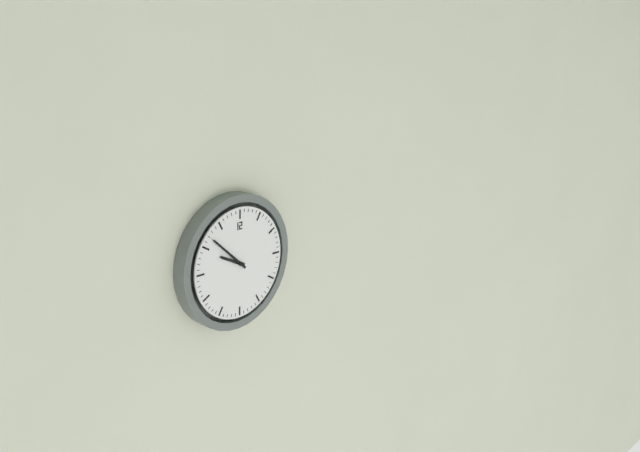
9,52
